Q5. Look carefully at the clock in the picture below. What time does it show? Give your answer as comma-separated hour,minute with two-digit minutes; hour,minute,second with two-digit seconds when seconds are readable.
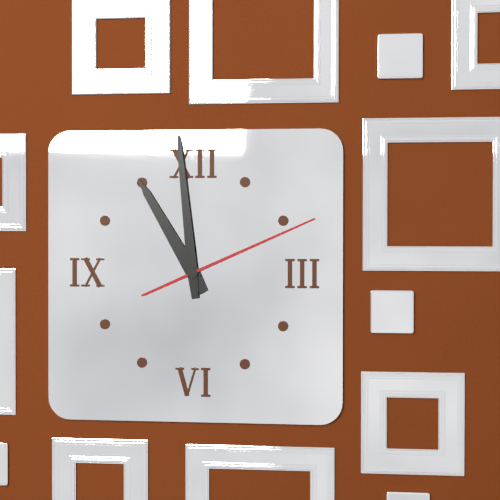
10,59,11
